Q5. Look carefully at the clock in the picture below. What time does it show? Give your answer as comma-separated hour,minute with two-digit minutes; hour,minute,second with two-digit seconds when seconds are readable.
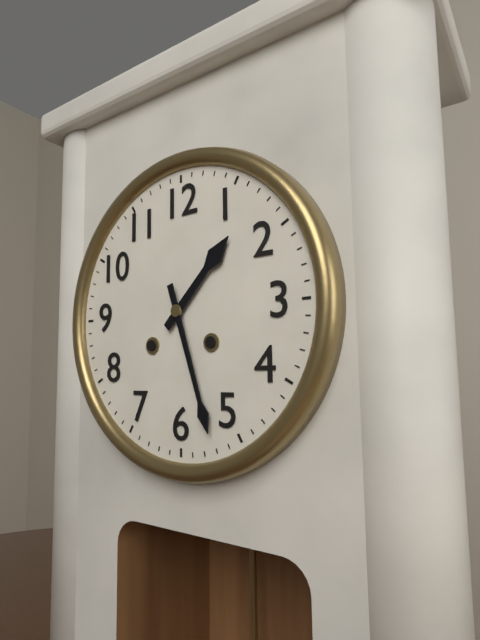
1,27
